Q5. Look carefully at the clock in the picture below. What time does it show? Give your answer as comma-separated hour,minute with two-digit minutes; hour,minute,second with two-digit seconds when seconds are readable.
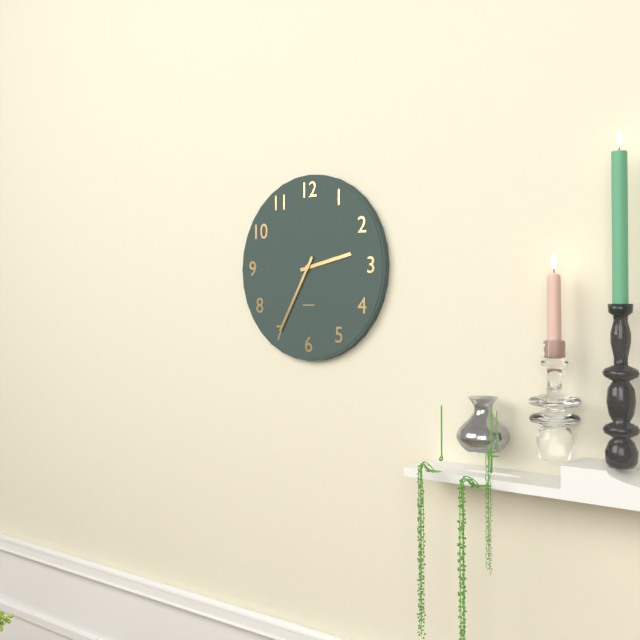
2,35
